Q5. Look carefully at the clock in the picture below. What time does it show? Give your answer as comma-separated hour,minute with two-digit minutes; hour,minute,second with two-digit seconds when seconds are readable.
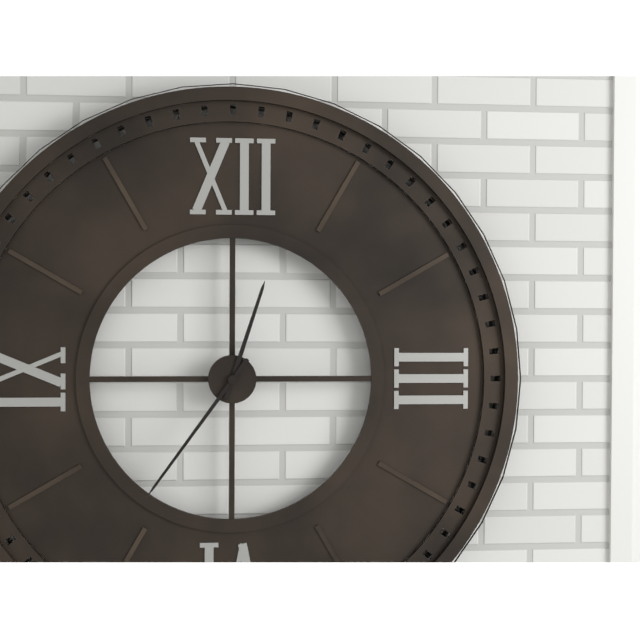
12,36
